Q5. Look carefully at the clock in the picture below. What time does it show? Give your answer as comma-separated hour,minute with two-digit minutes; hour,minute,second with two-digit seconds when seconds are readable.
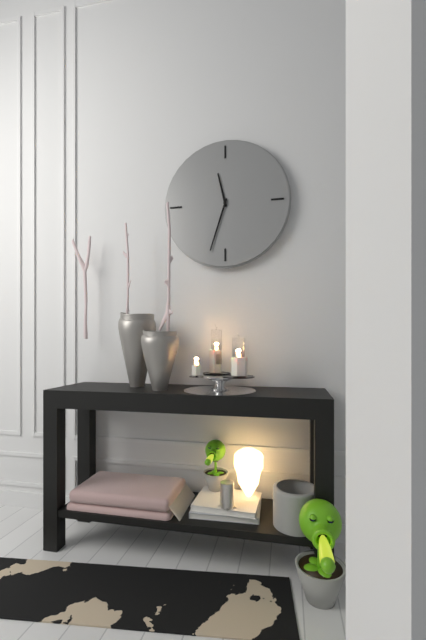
11,33
